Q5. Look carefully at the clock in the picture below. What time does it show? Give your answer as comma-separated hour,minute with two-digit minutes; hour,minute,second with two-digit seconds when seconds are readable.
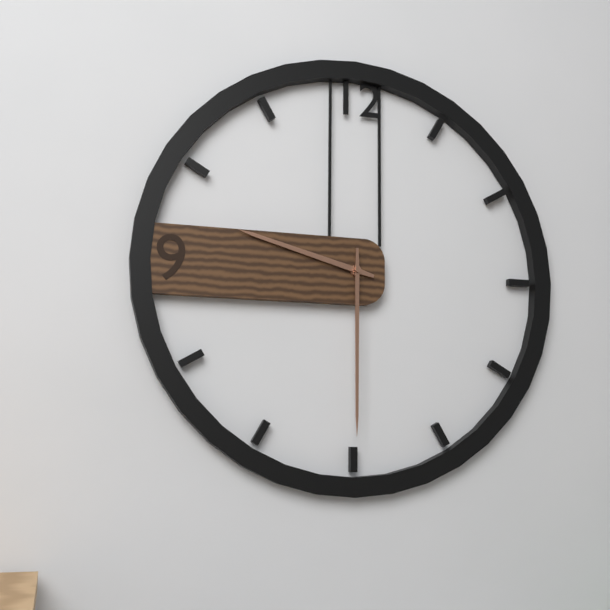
9,30
